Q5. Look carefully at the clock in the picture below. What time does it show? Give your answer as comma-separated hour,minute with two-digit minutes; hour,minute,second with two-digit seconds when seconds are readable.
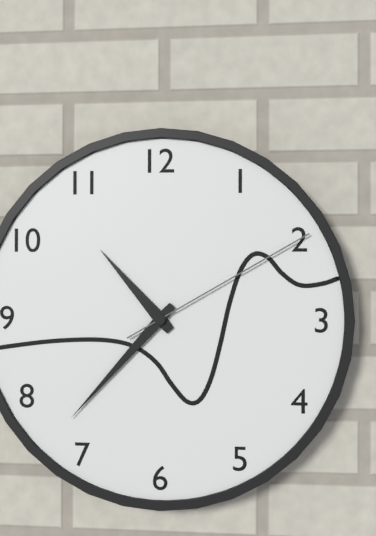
10,37,10
